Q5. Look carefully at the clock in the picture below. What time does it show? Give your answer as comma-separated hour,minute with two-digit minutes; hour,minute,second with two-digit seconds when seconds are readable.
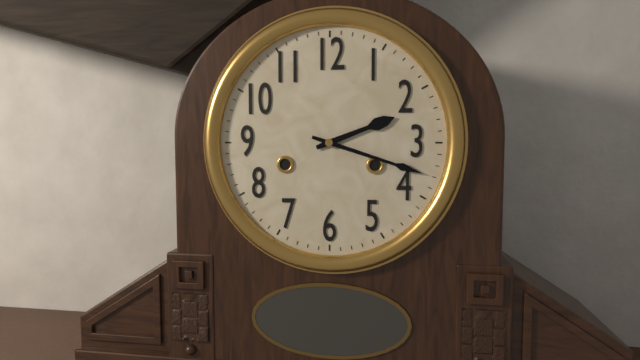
2,18
